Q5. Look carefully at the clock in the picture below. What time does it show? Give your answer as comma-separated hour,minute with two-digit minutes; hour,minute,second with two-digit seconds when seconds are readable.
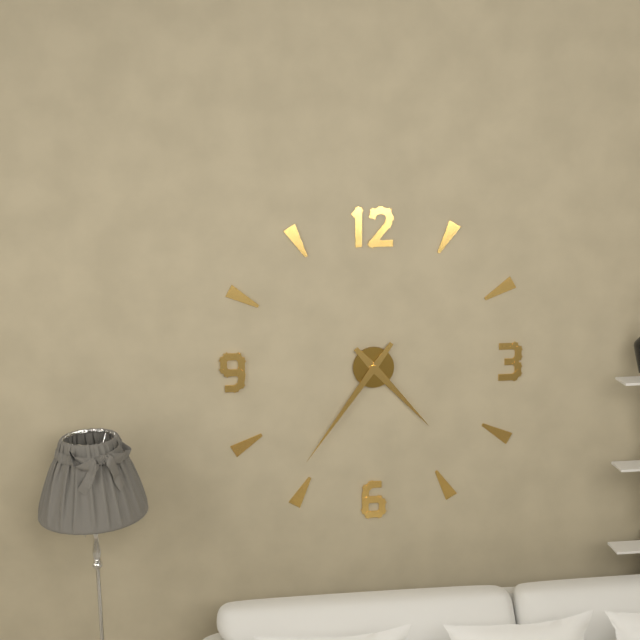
4,36
